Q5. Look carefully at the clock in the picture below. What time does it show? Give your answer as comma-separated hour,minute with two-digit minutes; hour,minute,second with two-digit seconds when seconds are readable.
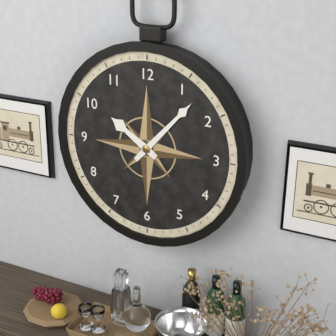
10,07
